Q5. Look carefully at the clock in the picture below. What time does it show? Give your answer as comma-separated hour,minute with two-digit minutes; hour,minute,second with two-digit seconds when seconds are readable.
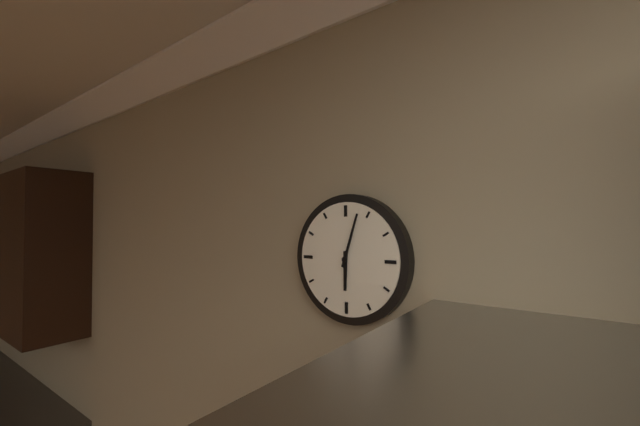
6,03
